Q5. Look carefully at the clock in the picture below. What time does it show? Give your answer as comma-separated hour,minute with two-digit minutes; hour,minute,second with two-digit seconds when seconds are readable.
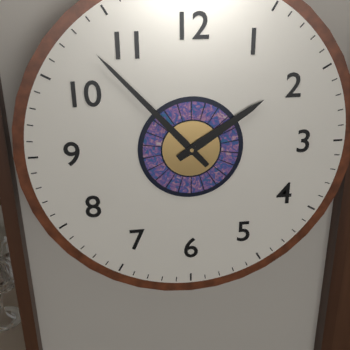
1,53
